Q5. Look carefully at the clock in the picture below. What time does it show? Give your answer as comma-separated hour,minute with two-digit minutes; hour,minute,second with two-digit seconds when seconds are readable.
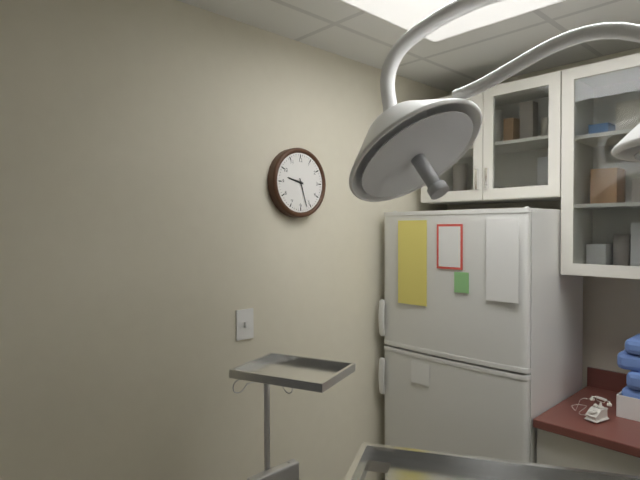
9,27
